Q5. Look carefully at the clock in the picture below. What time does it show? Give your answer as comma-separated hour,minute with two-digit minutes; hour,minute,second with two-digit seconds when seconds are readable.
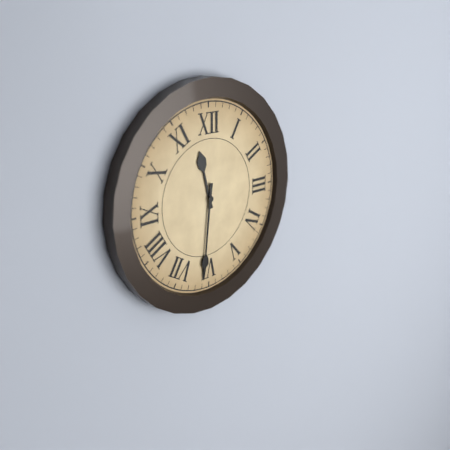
11,31
